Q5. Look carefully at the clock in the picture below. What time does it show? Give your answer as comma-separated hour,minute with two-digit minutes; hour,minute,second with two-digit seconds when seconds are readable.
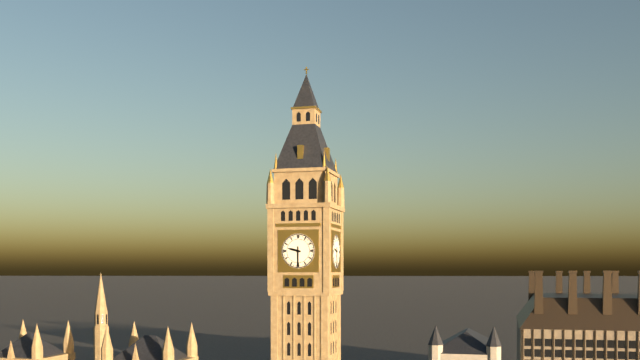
9,30
